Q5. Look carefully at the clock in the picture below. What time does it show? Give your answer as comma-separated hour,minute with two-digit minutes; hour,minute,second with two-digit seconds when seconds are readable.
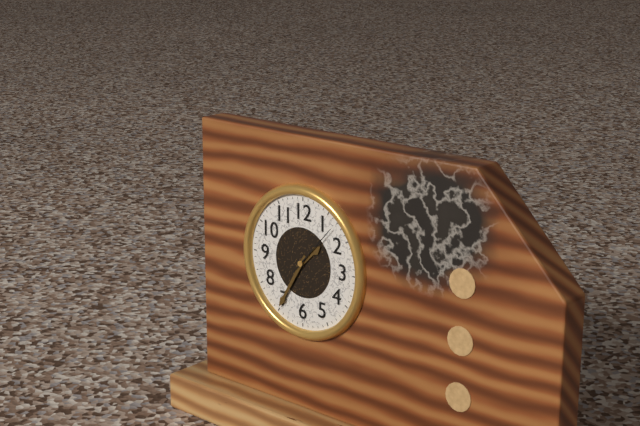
1,35,07
